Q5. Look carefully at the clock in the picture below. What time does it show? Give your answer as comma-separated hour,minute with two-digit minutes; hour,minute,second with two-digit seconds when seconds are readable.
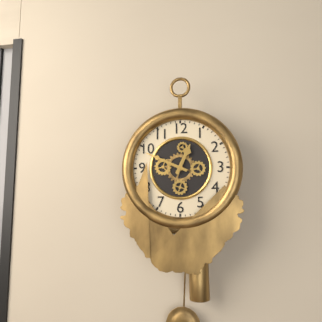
12,49
